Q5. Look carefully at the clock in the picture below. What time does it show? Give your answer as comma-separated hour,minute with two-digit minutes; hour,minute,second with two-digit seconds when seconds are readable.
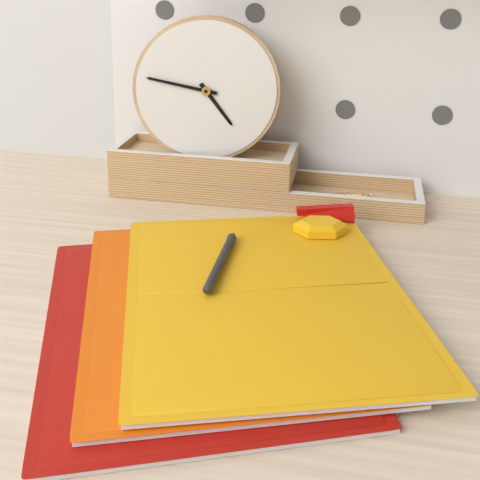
4,47
